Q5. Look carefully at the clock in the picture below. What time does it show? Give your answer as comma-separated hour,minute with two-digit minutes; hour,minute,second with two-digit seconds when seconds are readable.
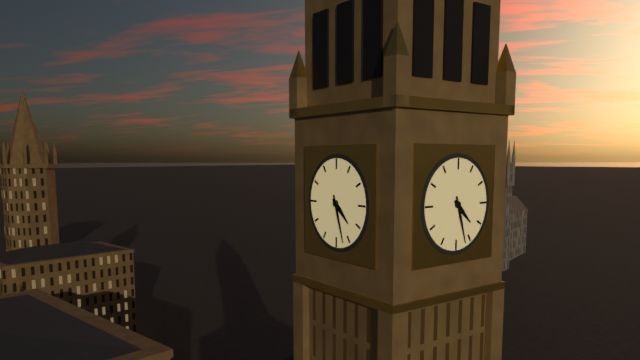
4,27
